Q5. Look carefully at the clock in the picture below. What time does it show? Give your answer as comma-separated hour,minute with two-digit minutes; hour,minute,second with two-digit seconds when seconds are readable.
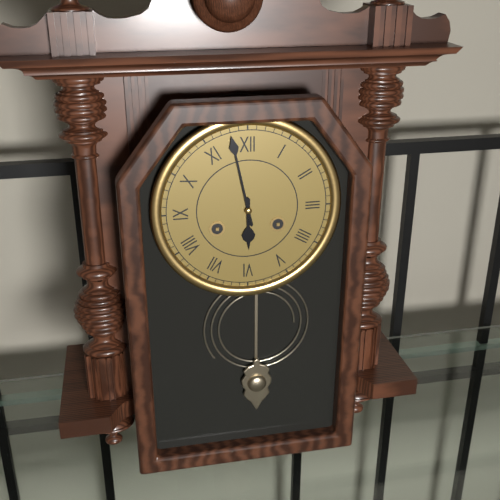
5,58
